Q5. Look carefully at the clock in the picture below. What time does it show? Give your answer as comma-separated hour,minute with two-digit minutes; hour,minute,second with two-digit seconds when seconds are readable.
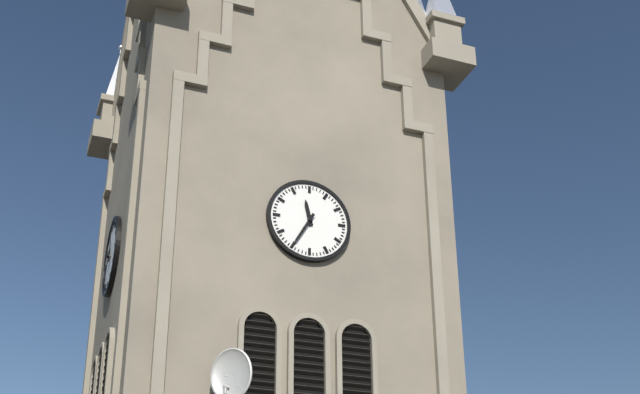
11,35
